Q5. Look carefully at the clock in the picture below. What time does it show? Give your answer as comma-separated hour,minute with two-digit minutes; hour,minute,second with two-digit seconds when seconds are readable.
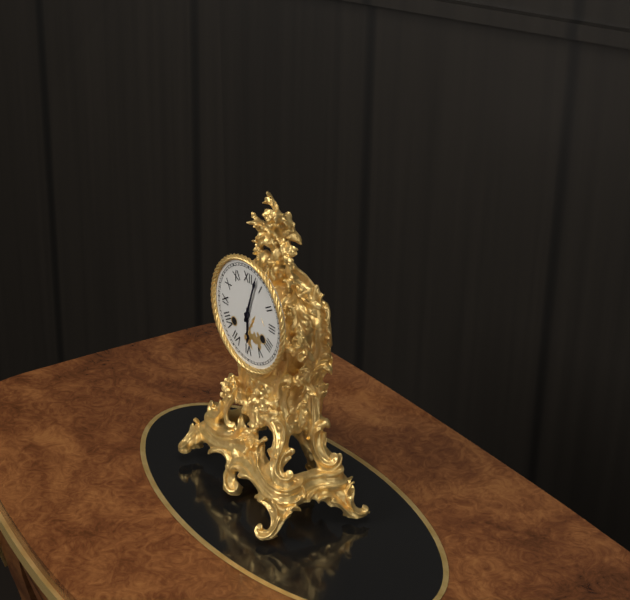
6,03
